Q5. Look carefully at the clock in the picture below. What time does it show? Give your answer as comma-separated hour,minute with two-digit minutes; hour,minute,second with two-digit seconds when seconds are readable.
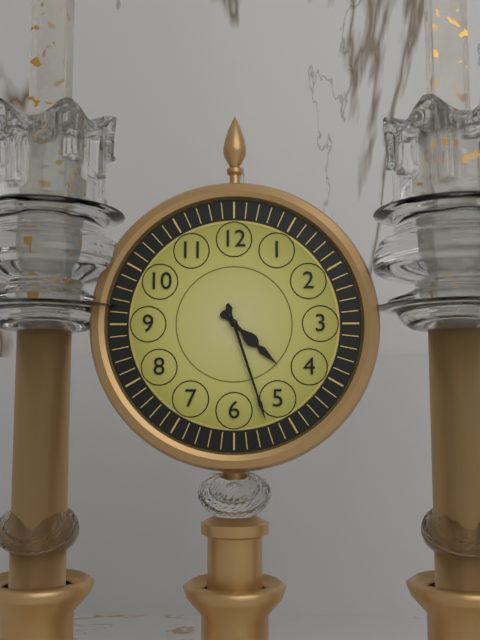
4,27
